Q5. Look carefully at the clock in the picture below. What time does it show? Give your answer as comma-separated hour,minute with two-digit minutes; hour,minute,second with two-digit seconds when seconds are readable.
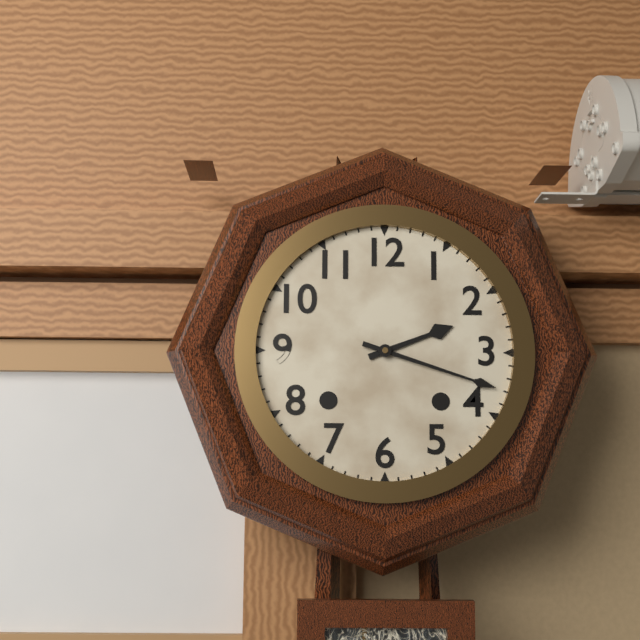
2,18
